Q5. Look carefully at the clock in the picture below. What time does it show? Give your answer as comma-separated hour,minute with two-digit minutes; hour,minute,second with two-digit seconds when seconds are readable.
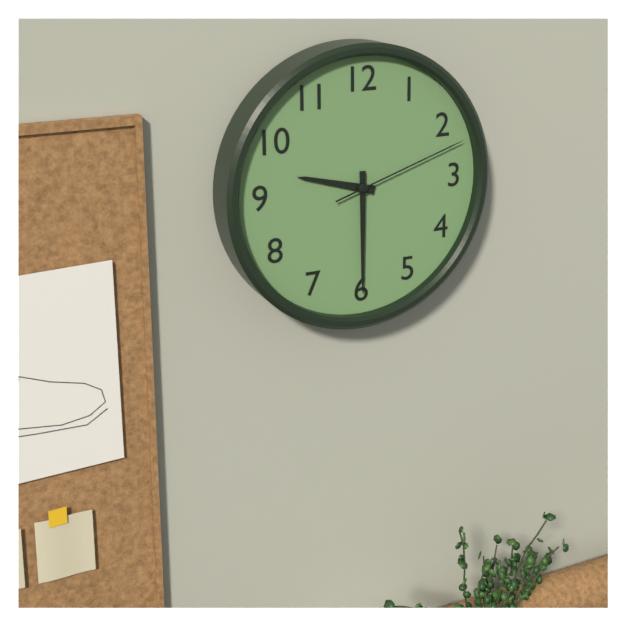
9,30,12
